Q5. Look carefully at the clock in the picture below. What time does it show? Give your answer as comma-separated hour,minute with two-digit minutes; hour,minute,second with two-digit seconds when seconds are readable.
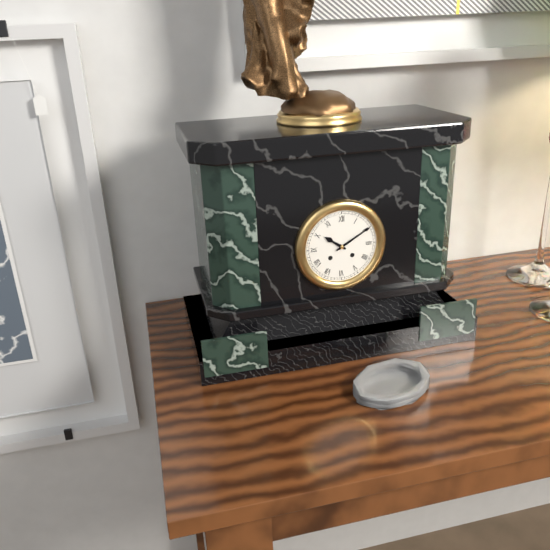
10,10
